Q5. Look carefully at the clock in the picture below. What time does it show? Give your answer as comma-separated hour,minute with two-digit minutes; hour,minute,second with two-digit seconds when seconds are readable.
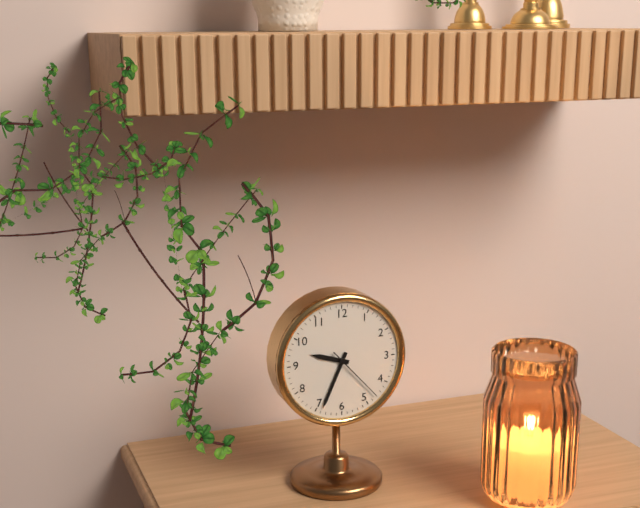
9,34,23
